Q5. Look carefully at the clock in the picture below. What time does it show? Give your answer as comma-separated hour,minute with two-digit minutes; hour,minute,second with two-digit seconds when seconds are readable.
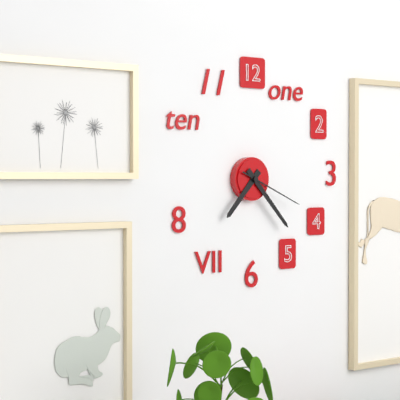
7,23,19
